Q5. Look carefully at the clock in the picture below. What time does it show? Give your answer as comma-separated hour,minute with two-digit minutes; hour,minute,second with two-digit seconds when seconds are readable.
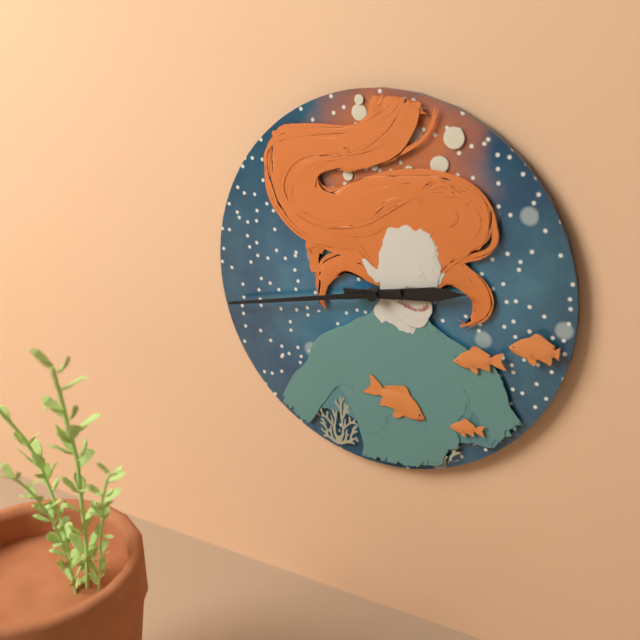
2,43
